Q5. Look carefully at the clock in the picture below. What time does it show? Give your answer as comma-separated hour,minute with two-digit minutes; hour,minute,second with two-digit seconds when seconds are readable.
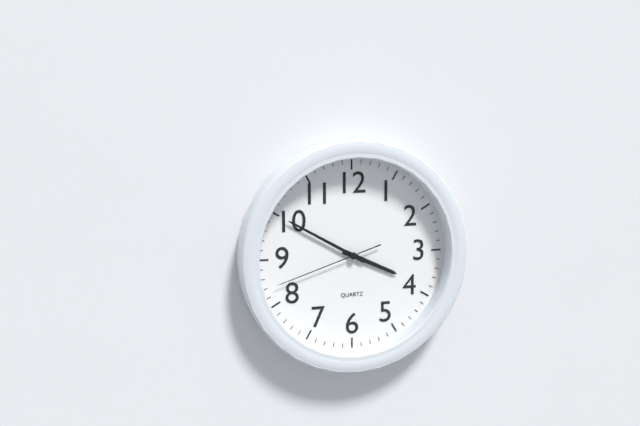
3,50,42
